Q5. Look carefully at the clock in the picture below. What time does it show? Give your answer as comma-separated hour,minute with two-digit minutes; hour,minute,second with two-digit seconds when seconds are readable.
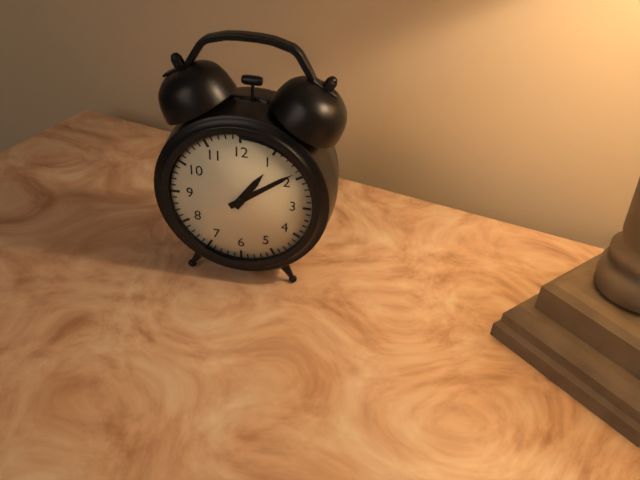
1,09
